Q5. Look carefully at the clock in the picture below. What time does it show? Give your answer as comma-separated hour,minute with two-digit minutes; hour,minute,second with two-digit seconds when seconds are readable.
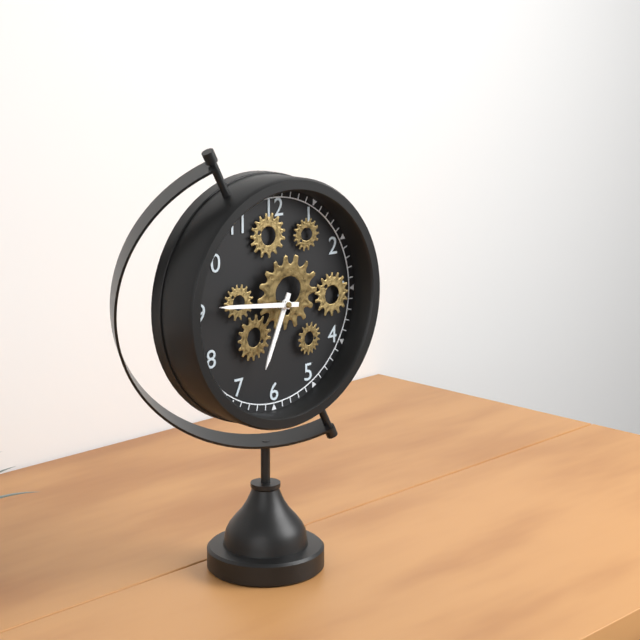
6,46
